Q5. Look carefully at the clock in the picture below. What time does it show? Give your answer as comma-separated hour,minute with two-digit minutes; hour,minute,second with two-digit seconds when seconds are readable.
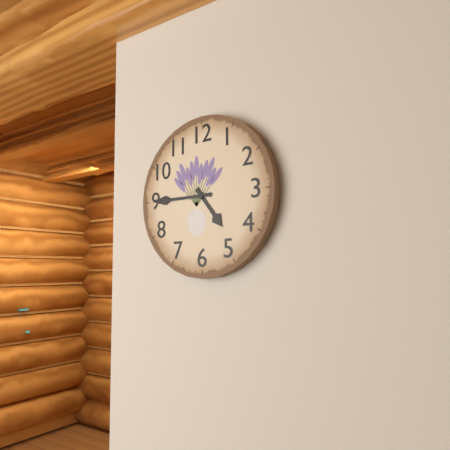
4,45
